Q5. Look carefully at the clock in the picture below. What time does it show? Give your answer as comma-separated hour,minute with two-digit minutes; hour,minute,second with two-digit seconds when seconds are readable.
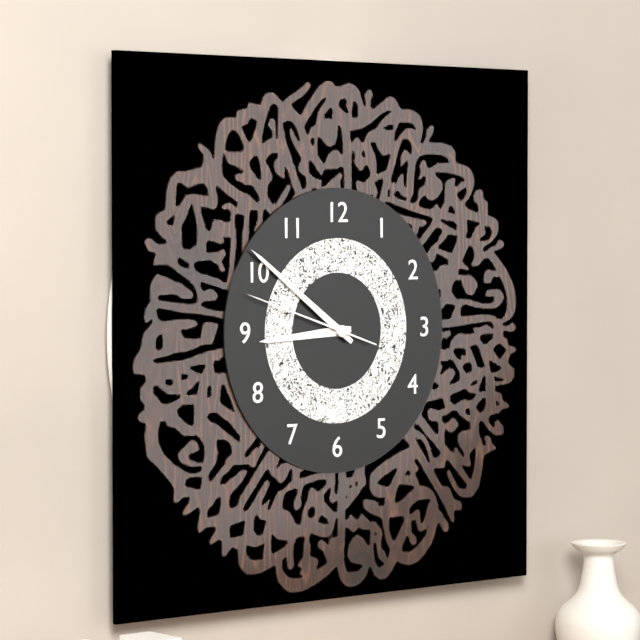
8,51,48
